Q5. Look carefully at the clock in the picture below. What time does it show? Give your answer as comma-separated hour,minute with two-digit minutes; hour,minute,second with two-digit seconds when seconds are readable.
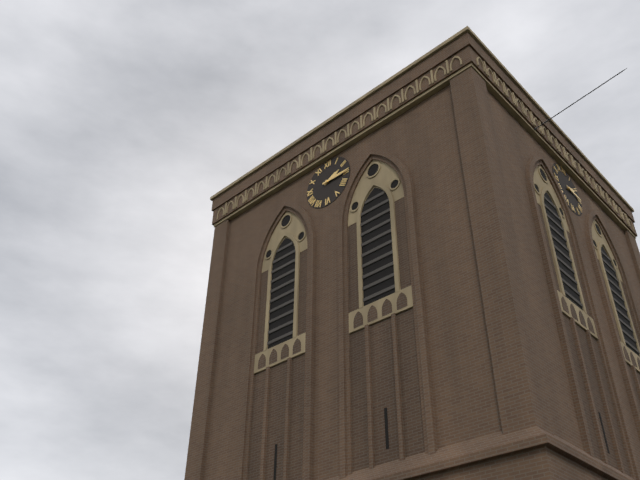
2,15
